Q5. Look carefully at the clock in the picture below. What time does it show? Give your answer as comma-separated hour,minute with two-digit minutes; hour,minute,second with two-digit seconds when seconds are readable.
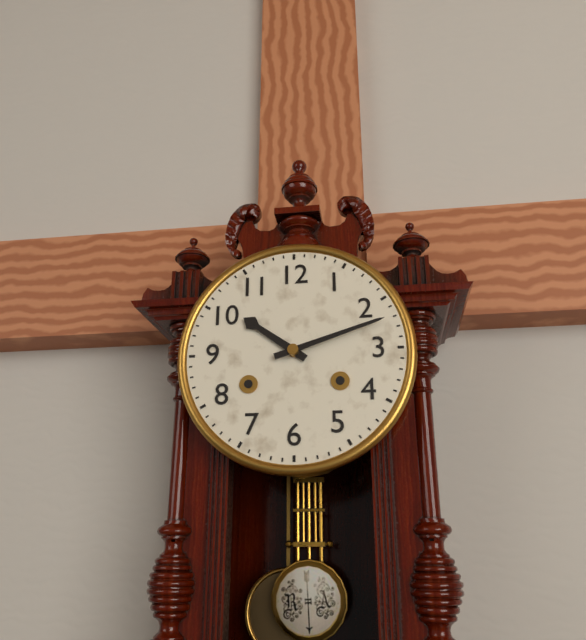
10,12
